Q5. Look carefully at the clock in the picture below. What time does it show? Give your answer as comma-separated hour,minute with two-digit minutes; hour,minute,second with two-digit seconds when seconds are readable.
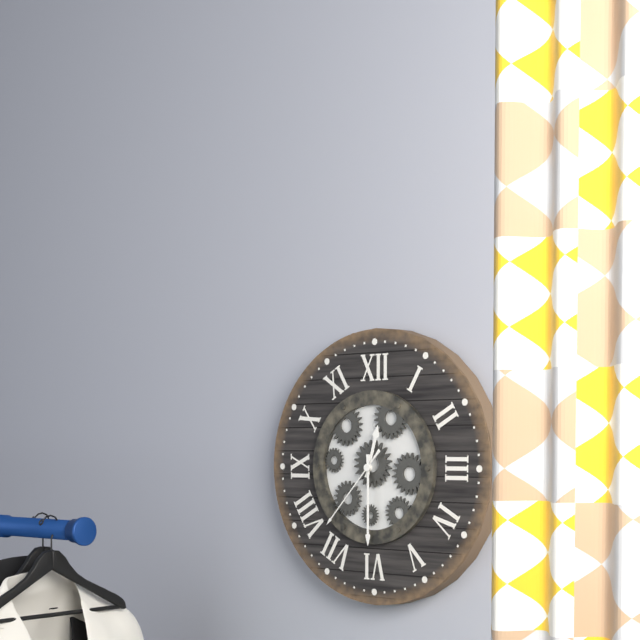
12,30,37
